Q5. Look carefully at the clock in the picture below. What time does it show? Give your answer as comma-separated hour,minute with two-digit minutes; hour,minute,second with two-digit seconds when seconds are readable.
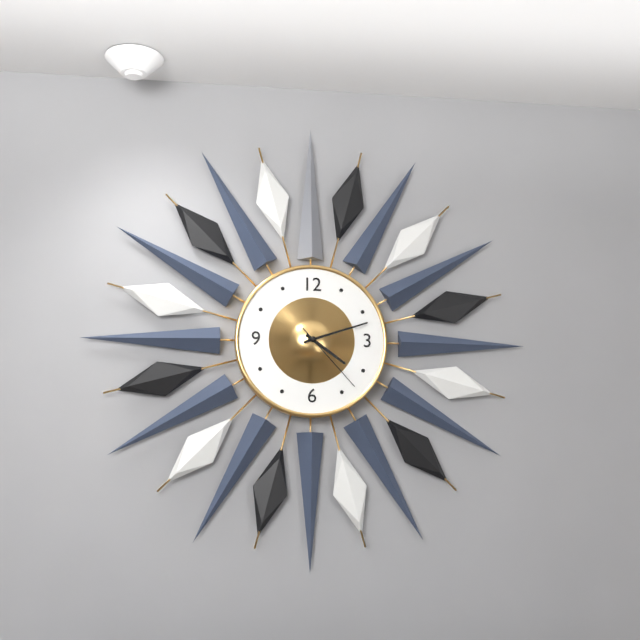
4,12,23
